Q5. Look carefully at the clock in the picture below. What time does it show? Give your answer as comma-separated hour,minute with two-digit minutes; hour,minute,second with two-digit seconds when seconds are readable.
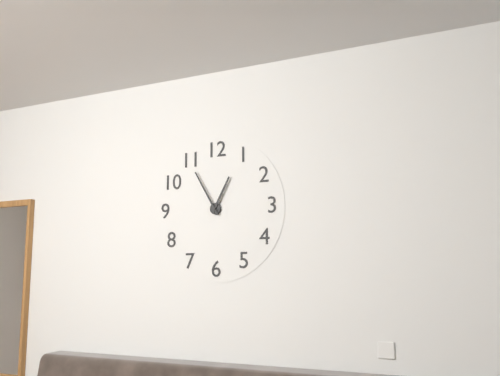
12,55
